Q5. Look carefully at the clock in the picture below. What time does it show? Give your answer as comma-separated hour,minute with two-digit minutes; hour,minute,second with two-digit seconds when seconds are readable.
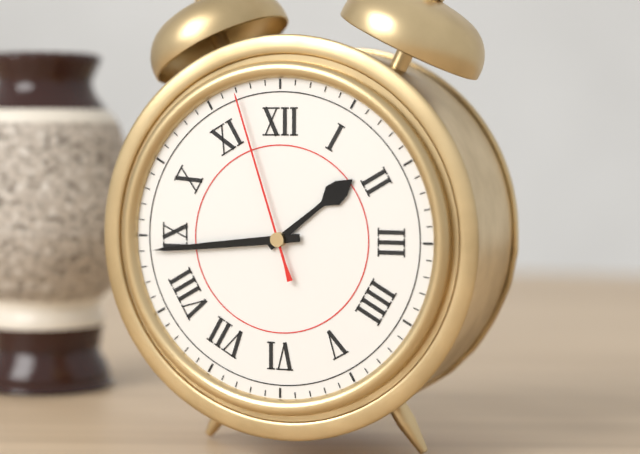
1,44,57
